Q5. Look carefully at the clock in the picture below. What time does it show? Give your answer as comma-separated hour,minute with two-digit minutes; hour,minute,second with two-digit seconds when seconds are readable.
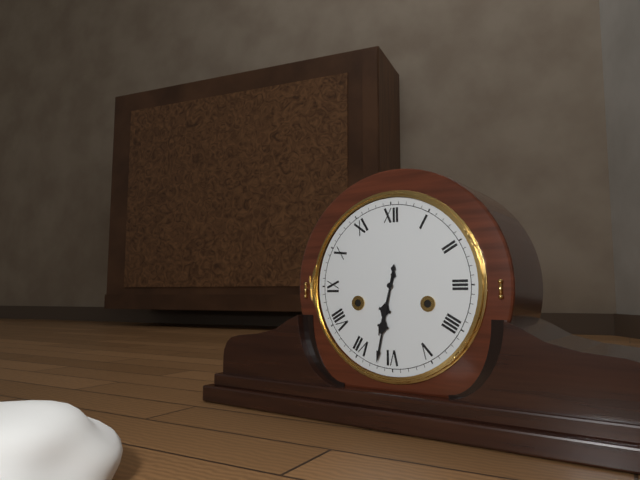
6,32
